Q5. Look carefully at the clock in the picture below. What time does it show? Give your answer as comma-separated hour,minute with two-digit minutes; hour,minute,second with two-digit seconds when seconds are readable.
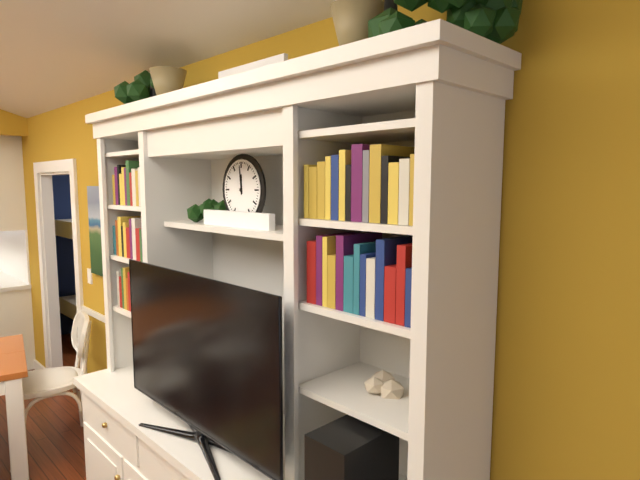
11,59
